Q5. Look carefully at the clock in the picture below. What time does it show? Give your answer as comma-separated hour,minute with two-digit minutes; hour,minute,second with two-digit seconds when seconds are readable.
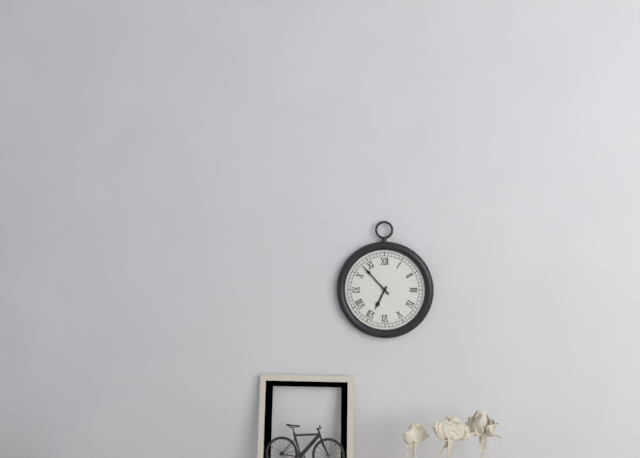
6,53
